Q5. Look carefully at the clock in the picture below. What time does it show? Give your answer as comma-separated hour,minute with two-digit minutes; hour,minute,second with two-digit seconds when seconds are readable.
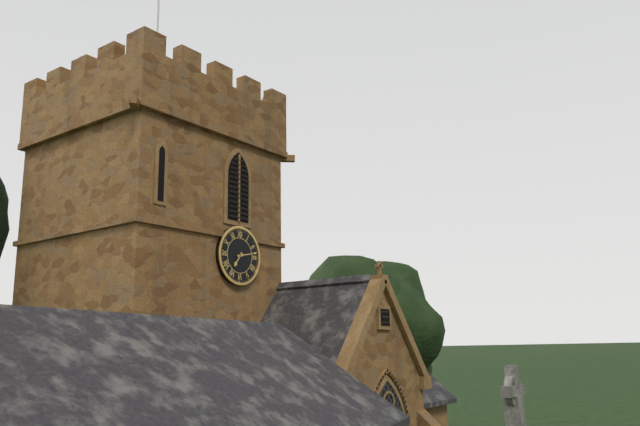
7,13
